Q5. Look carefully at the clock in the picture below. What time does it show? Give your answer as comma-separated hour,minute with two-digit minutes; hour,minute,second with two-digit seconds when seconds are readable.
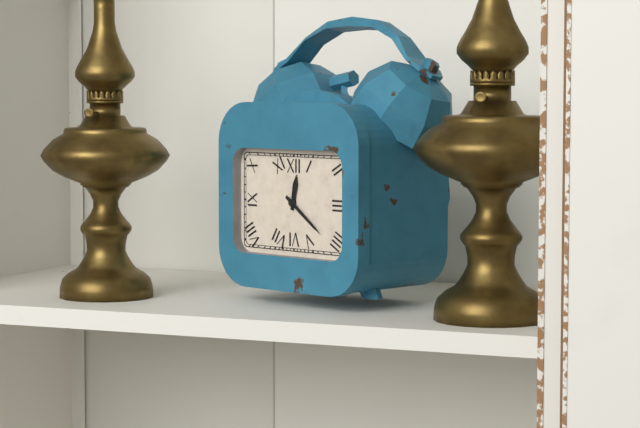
12,21
